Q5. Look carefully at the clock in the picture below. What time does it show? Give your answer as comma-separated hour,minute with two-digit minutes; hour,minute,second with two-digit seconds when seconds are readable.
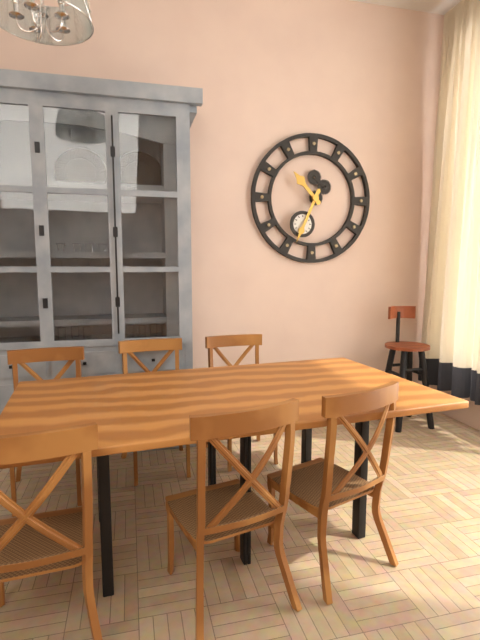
10,34
